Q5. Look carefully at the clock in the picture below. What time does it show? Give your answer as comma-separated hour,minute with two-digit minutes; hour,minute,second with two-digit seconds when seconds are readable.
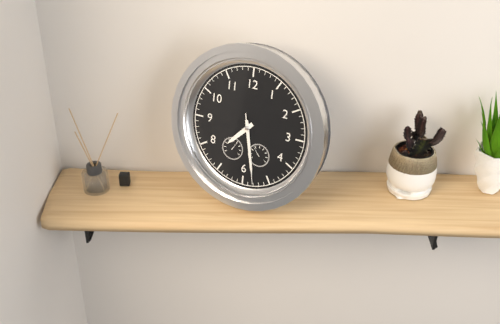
7,28,28
